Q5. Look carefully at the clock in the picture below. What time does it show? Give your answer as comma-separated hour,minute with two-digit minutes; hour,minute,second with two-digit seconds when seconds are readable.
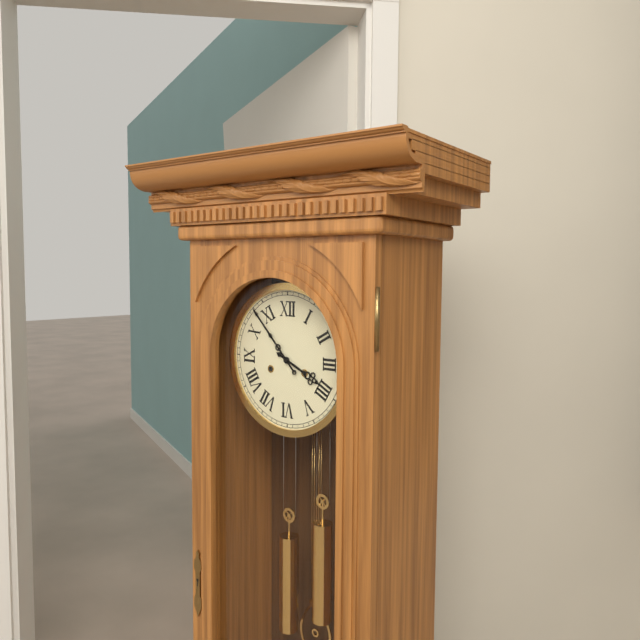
3,53
